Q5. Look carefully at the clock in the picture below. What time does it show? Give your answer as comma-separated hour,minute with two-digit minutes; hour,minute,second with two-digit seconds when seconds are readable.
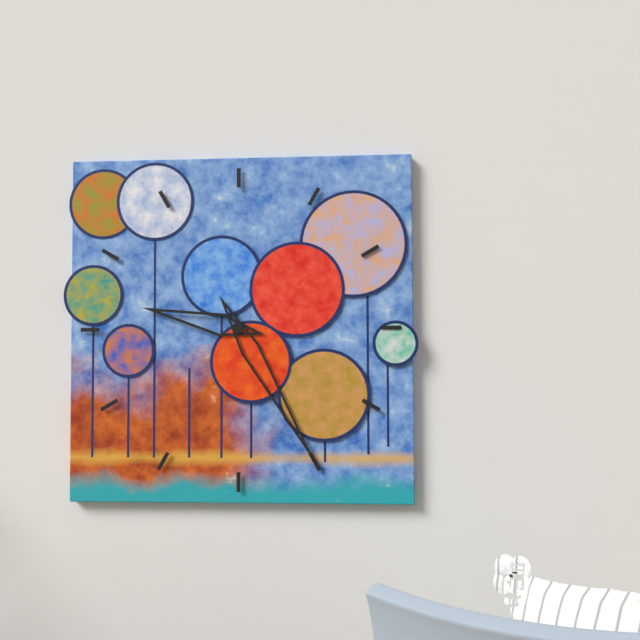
9,25
